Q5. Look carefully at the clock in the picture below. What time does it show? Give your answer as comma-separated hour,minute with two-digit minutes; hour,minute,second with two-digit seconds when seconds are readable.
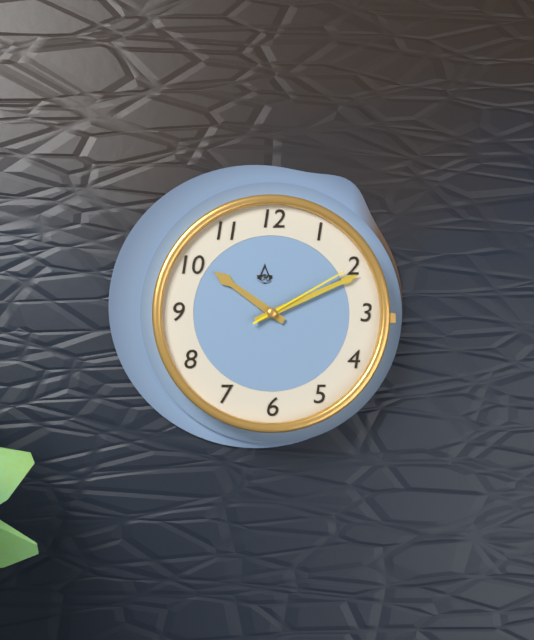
10,11,10
